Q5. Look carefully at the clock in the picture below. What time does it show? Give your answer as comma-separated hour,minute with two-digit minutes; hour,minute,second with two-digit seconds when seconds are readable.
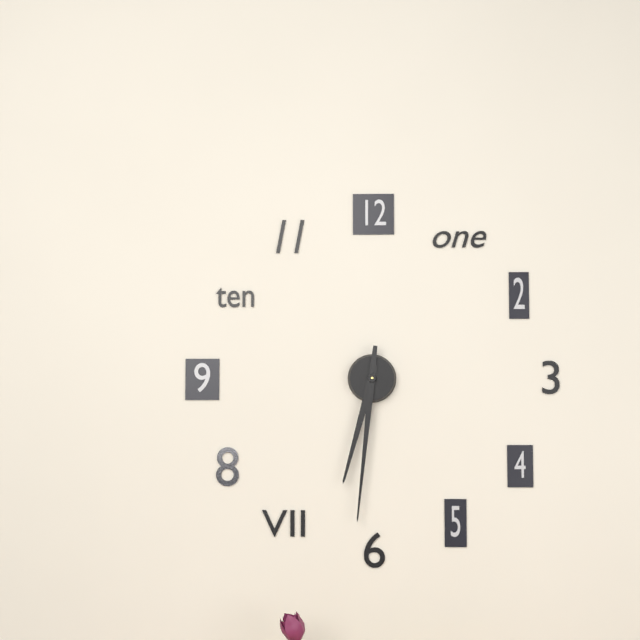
6,31
